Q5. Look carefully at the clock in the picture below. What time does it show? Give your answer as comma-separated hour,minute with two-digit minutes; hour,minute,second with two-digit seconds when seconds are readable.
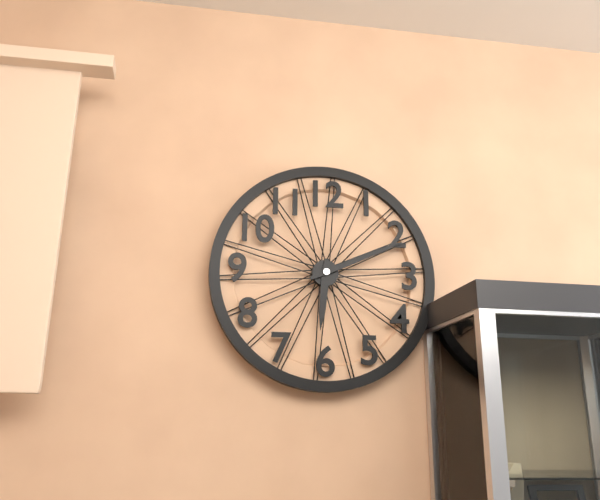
6,11
